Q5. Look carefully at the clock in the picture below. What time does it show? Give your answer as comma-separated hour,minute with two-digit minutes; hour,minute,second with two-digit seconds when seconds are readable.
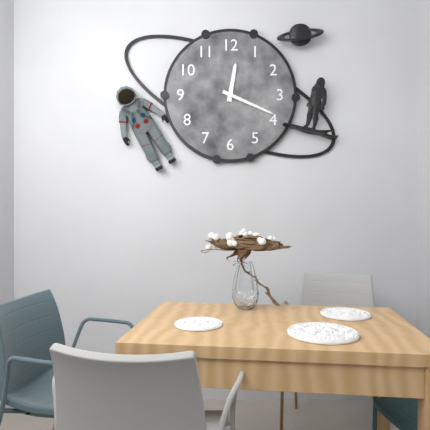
12,19
